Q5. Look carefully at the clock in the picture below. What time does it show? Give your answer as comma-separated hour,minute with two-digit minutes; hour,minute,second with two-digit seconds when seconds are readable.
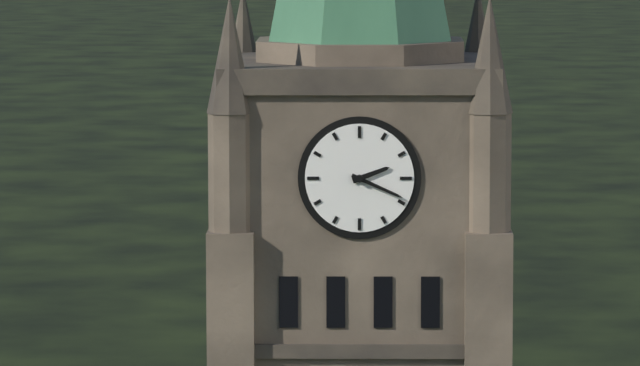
2,19
